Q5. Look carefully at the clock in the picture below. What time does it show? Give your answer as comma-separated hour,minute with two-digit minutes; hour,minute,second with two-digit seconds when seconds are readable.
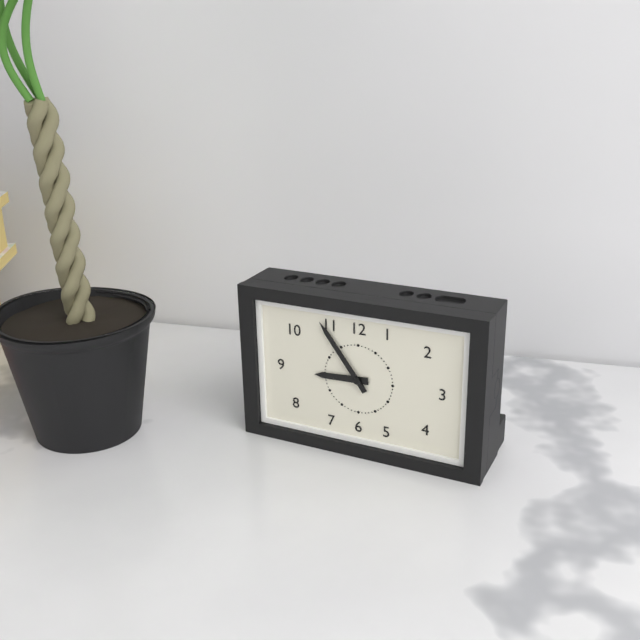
8,54
